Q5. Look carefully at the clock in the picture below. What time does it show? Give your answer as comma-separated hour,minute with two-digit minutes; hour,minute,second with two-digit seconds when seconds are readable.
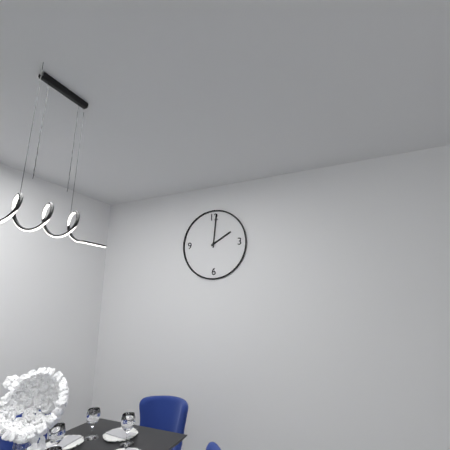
2,01
